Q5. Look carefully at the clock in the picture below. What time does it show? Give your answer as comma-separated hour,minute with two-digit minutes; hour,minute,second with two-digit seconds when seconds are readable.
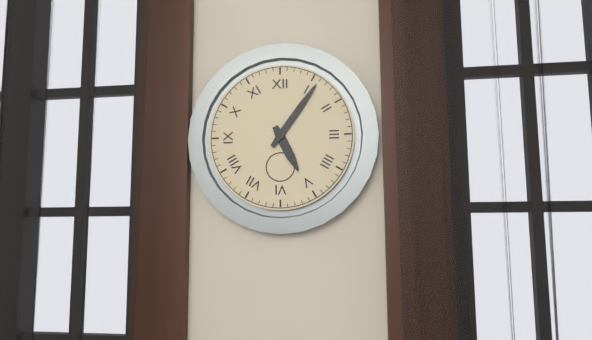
5,06
